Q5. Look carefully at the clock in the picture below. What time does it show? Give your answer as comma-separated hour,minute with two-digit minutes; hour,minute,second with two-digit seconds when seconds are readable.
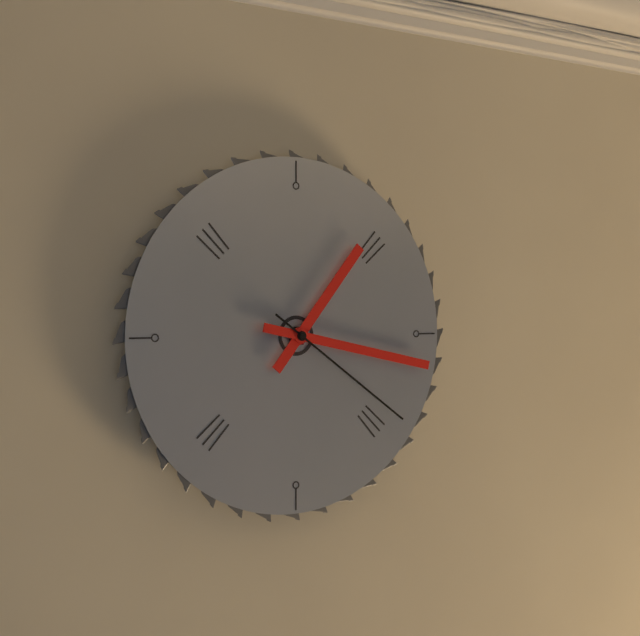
1,17,21
